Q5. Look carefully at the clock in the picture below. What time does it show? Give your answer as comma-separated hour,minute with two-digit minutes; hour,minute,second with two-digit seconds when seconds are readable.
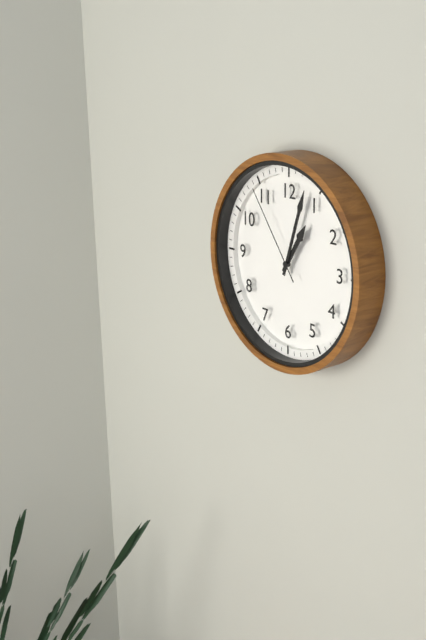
1,03,54
